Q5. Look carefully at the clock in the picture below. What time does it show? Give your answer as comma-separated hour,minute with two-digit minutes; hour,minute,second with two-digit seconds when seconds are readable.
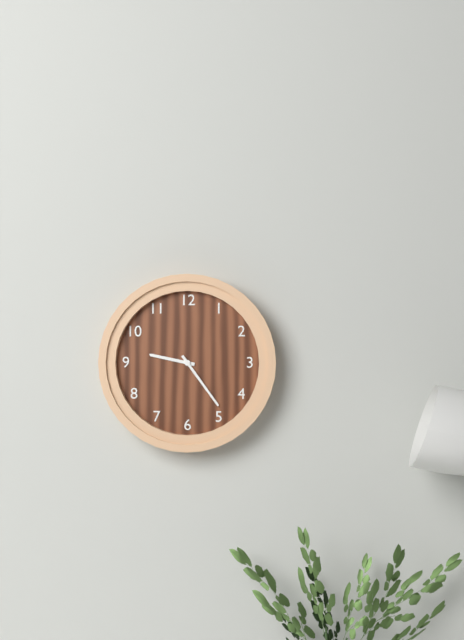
9,24
